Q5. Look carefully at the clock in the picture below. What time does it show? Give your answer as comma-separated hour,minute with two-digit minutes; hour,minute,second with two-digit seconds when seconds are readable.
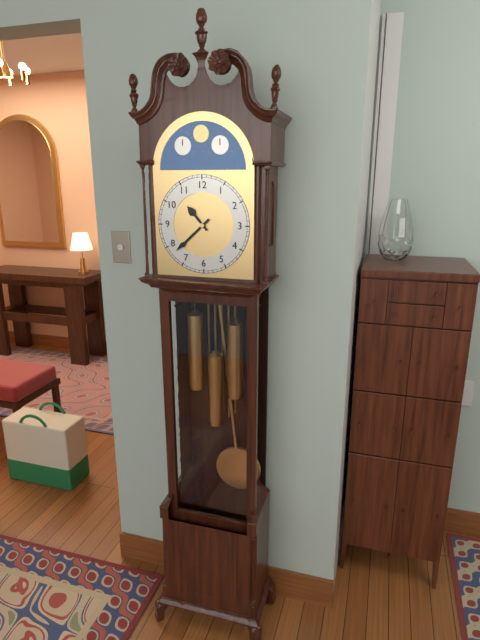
10,38
